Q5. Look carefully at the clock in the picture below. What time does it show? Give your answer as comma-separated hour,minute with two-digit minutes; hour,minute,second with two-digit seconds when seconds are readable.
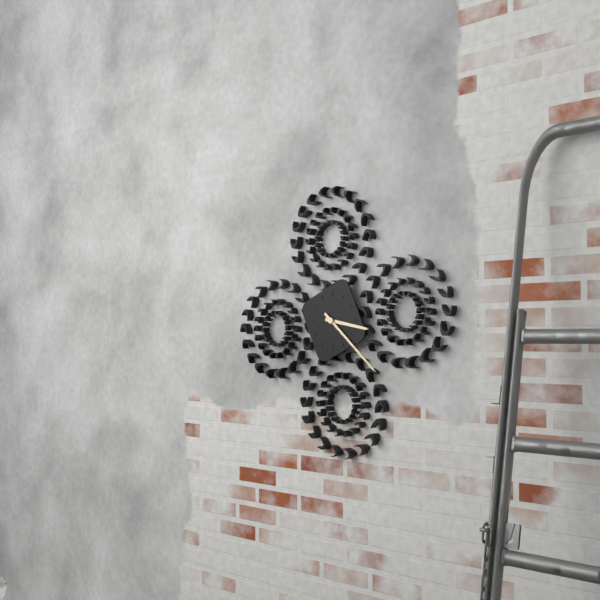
3,22
